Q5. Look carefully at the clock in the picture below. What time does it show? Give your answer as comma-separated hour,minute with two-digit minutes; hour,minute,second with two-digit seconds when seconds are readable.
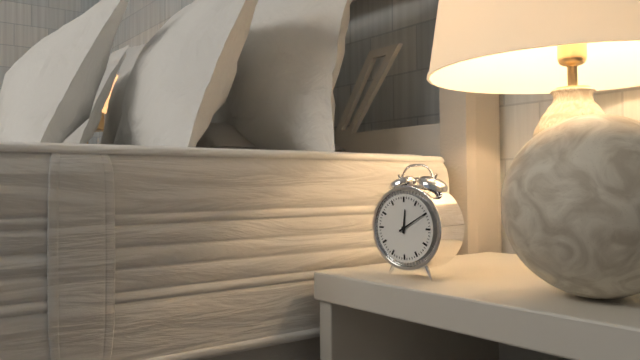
12,10
